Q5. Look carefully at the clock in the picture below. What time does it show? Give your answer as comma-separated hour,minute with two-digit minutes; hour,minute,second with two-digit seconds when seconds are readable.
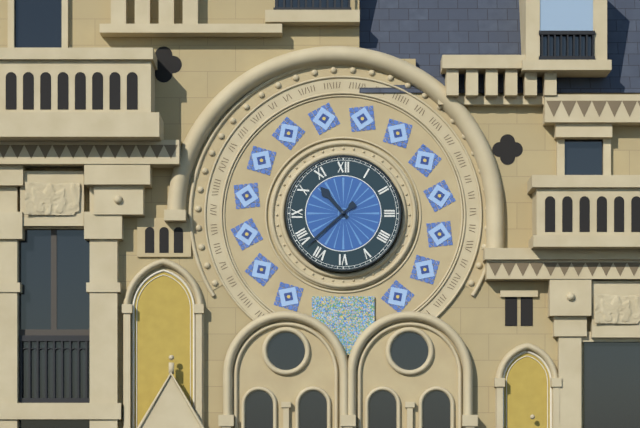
10,38
